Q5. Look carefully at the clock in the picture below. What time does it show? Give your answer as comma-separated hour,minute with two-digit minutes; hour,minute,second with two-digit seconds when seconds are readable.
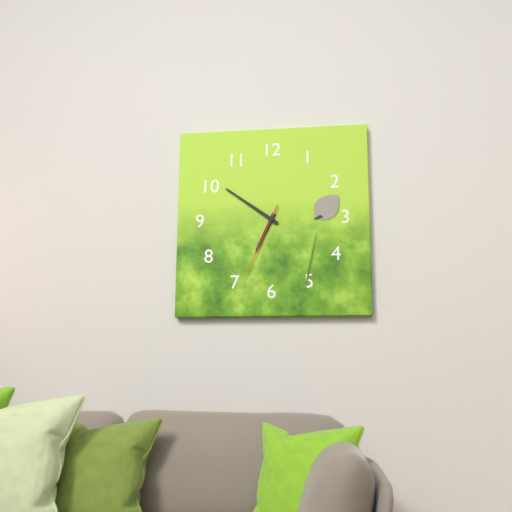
6,51,34
